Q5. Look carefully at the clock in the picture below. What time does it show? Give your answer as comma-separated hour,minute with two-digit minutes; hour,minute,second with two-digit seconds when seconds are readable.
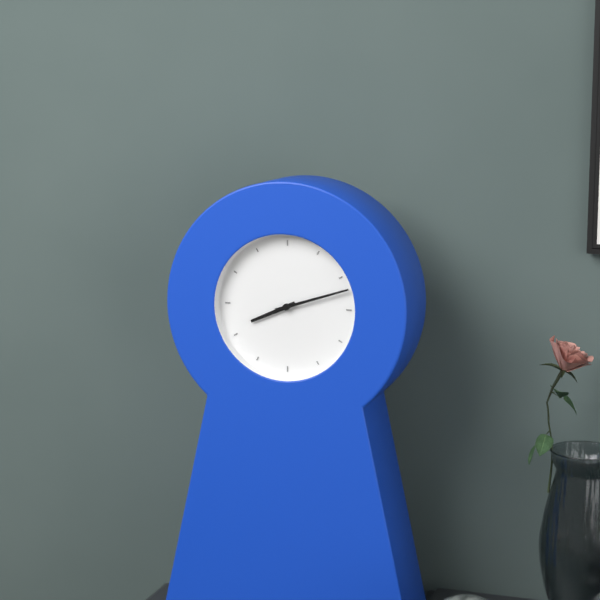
8,12
